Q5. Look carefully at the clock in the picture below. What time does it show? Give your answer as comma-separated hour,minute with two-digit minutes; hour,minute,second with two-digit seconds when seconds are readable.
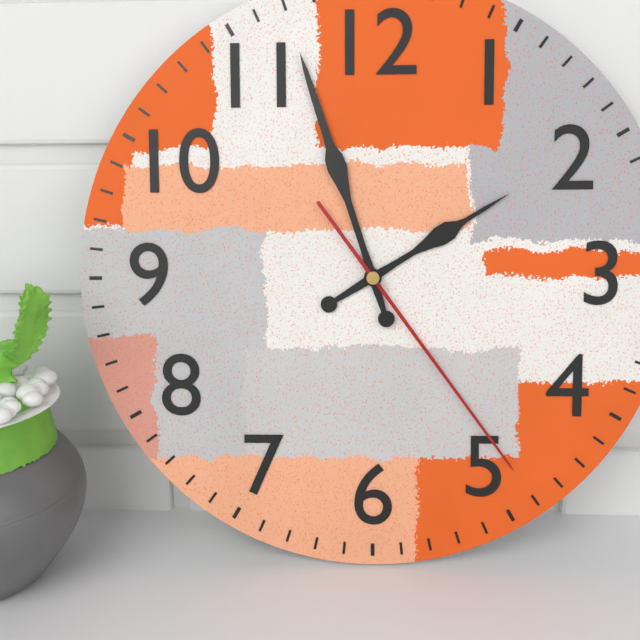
1,57,24
